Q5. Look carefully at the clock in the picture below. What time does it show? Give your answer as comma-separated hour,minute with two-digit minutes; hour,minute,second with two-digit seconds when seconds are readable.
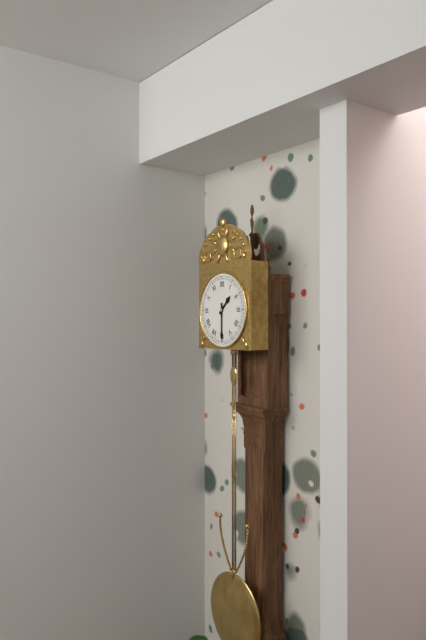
1,30
